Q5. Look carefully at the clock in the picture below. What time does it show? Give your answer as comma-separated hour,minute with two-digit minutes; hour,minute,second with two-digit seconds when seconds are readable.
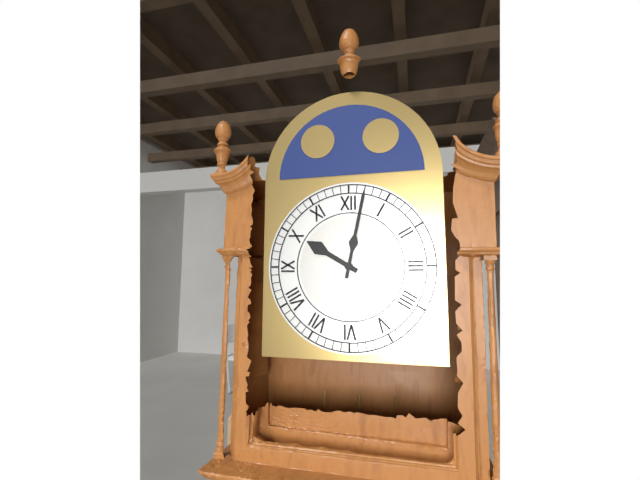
10,02
